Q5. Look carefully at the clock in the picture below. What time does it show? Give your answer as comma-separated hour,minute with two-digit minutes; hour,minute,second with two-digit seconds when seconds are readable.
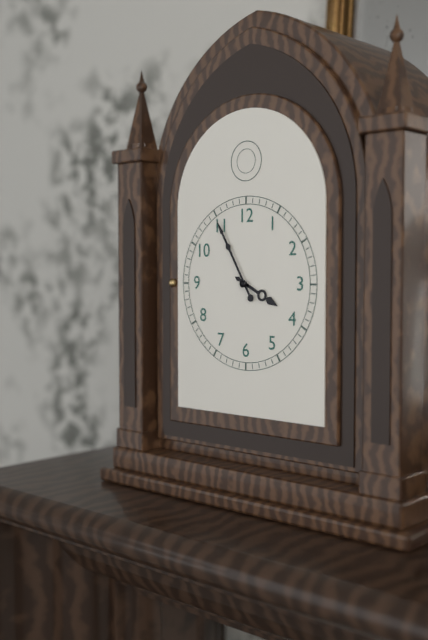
3,55
